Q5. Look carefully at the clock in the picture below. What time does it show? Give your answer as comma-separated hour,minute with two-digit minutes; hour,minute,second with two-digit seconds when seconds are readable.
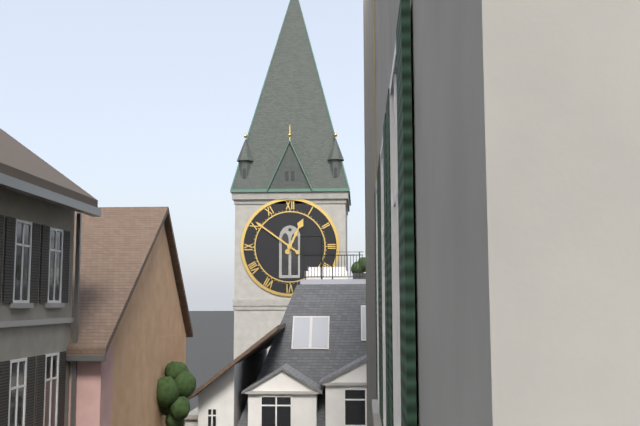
12,51
